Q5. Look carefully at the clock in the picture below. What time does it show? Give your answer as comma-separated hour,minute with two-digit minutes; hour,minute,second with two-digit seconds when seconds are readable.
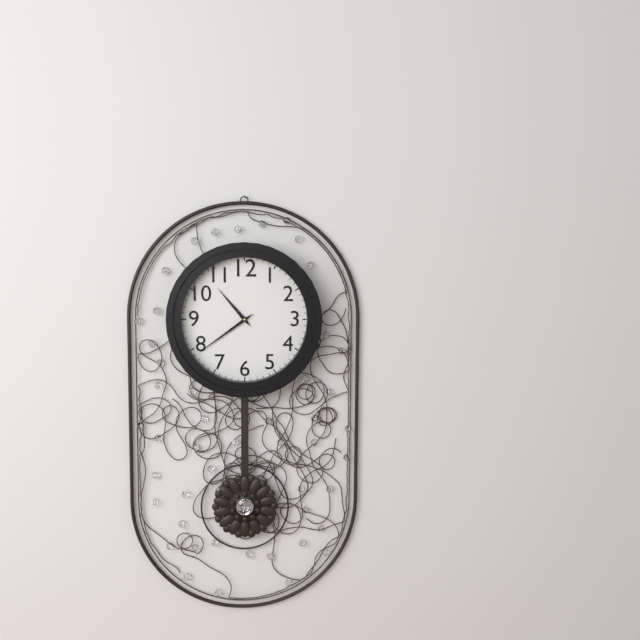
10,39
